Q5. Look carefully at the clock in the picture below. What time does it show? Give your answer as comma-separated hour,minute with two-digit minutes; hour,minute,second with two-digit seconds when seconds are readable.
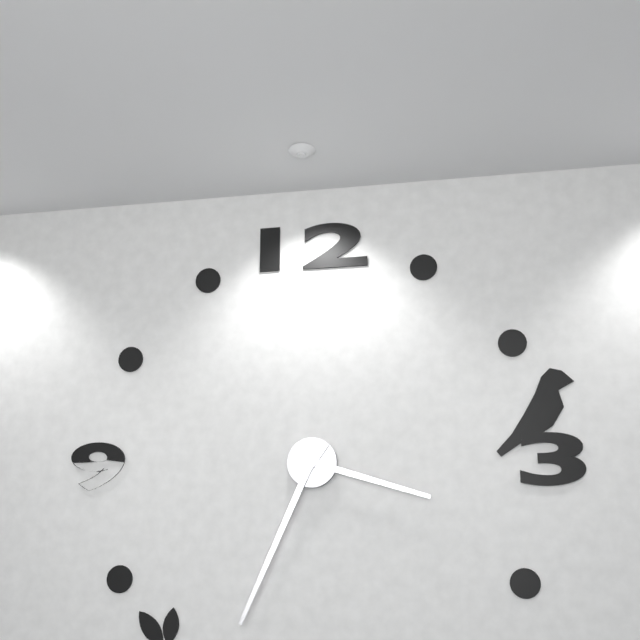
3,34
